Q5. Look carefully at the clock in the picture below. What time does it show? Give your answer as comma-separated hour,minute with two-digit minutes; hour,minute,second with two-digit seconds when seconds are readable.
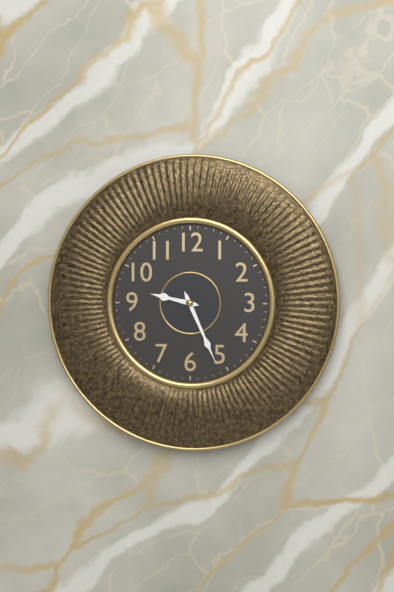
9,26
